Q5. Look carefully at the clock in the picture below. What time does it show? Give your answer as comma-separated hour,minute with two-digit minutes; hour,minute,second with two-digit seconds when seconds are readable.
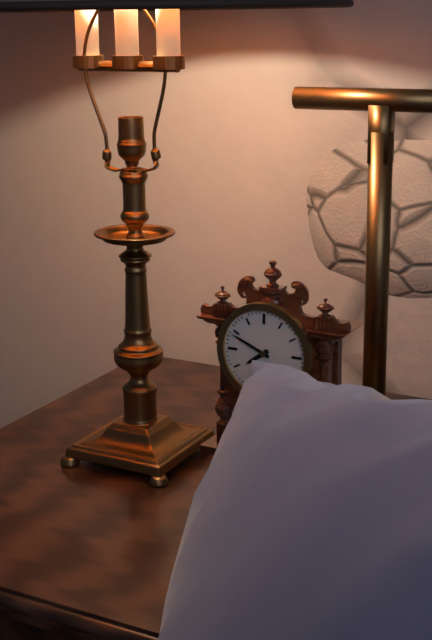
7,49
